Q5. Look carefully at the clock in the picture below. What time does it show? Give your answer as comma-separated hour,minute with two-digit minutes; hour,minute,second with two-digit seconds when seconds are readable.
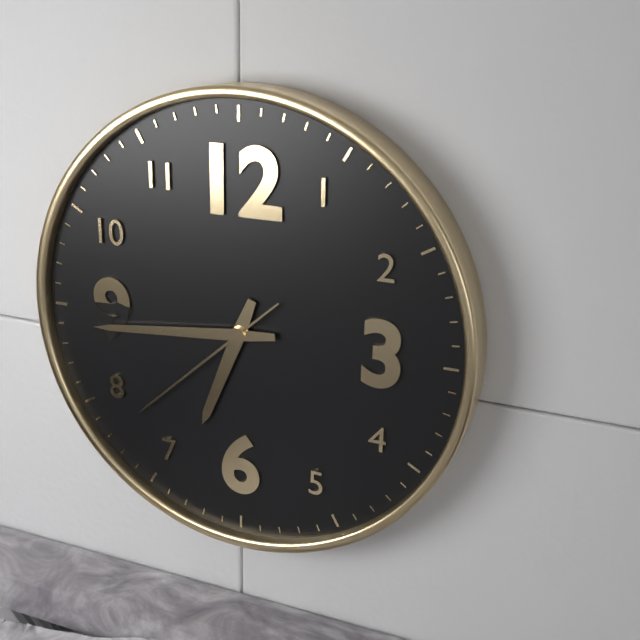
6,44,38
